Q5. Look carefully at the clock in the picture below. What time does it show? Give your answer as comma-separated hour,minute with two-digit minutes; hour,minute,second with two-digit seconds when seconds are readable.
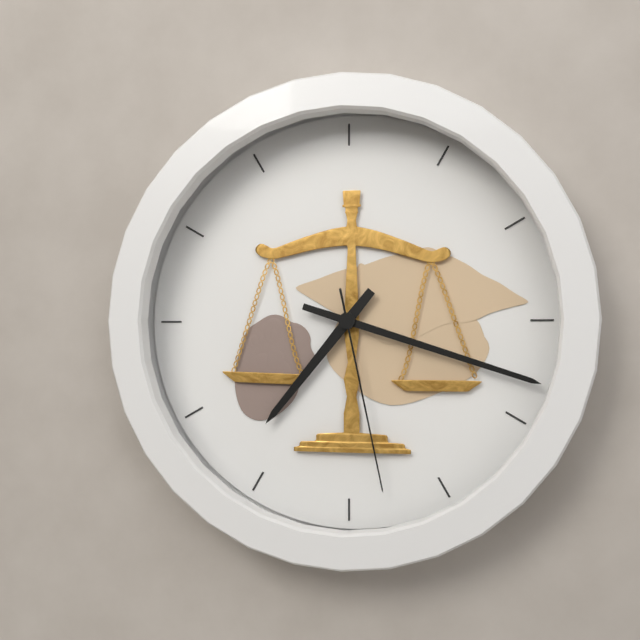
7,18,28
